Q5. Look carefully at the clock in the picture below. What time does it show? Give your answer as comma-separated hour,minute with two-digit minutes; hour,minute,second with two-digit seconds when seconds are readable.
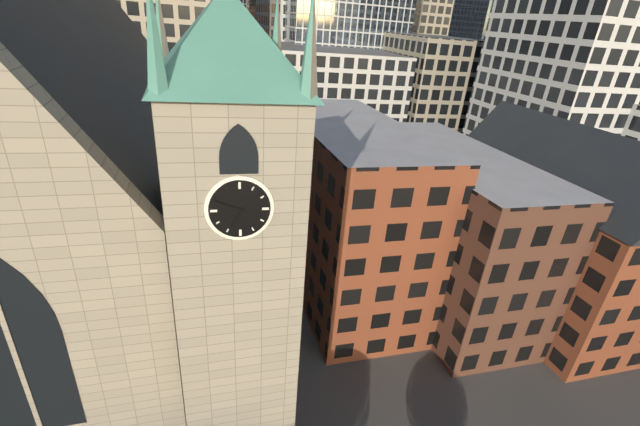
6,49
